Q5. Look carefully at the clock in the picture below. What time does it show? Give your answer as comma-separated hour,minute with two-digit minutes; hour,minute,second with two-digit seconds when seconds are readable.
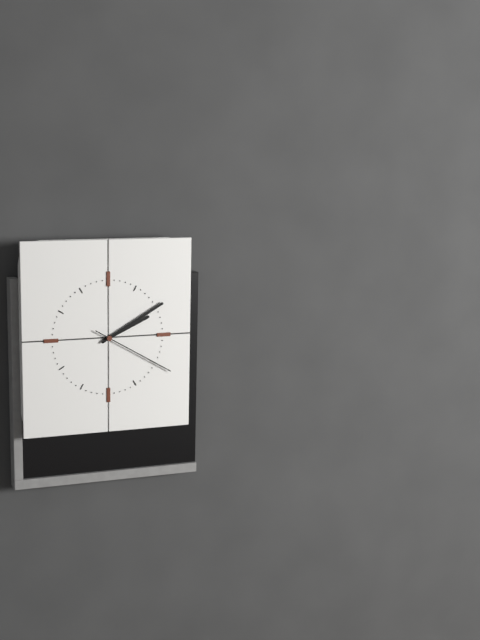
2,10,20
